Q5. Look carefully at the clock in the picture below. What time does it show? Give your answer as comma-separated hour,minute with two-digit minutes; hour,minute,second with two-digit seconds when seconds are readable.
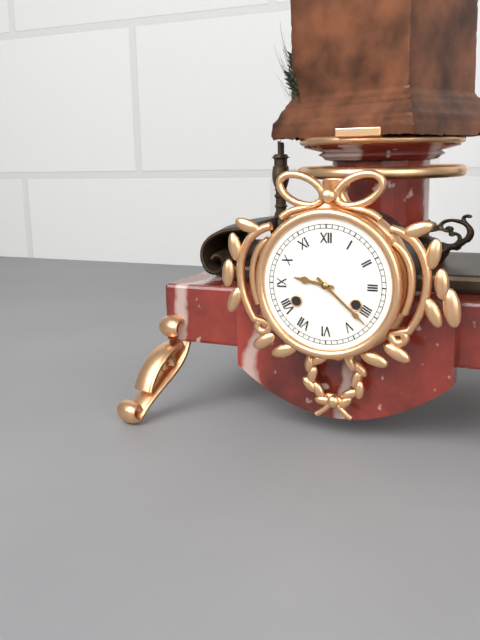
9,22
